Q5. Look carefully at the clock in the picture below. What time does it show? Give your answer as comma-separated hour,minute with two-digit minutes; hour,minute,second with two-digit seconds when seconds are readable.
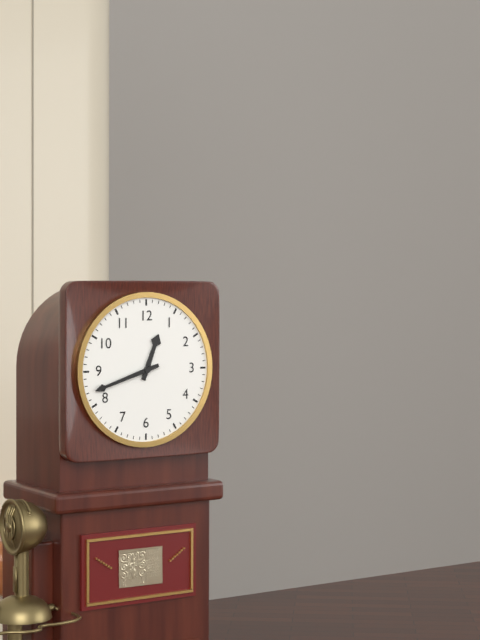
12,42
